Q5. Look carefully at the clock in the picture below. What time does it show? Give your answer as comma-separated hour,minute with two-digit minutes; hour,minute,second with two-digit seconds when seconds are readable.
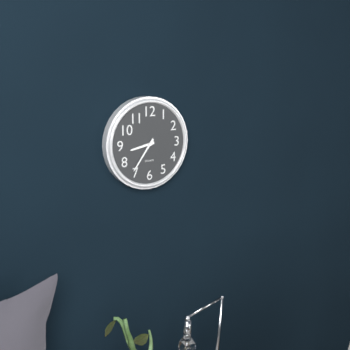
8,36
